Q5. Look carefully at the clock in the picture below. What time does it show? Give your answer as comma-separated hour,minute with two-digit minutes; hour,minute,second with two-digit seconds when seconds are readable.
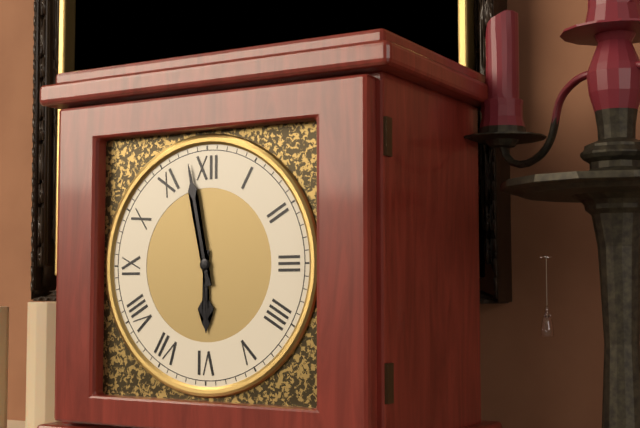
5,58
